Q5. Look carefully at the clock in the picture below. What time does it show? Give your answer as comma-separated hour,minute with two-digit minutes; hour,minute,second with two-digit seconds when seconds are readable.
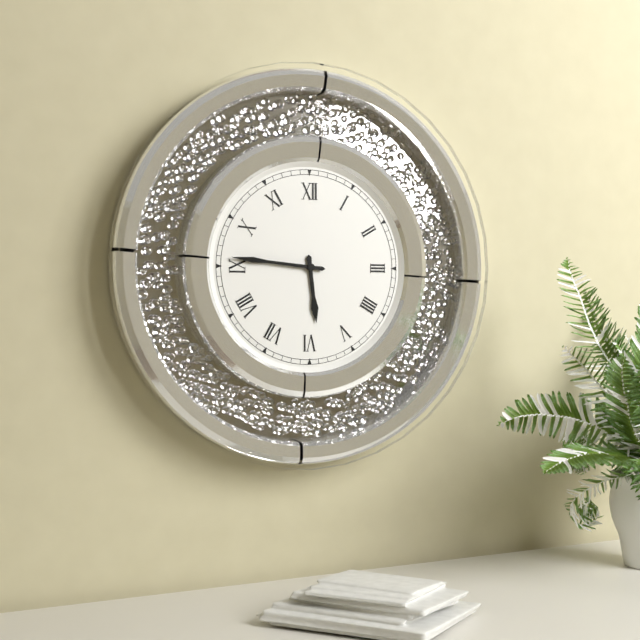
5,46
